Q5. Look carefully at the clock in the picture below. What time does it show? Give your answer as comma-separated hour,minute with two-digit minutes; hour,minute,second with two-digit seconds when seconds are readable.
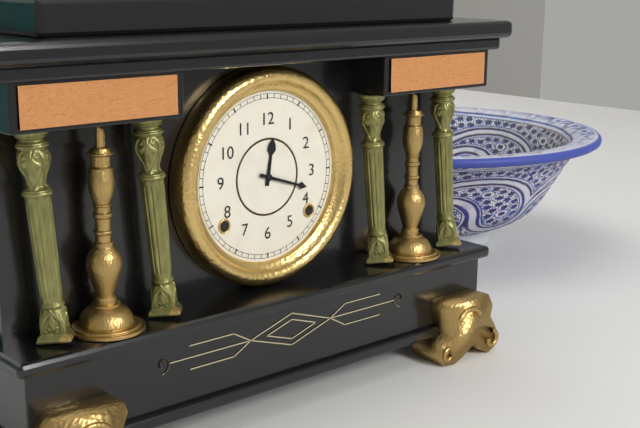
12,18
